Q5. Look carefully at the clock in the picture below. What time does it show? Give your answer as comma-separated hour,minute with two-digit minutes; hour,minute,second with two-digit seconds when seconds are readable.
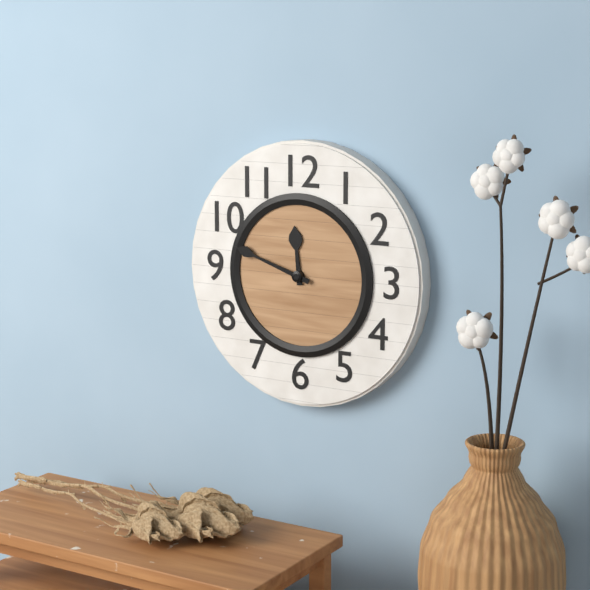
11,48
